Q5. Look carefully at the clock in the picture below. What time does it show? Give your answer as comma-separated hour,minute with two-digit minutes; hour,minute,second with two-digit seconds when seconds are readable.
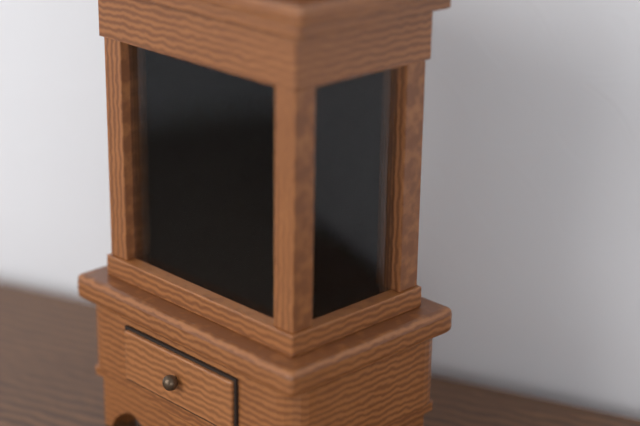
6,01
